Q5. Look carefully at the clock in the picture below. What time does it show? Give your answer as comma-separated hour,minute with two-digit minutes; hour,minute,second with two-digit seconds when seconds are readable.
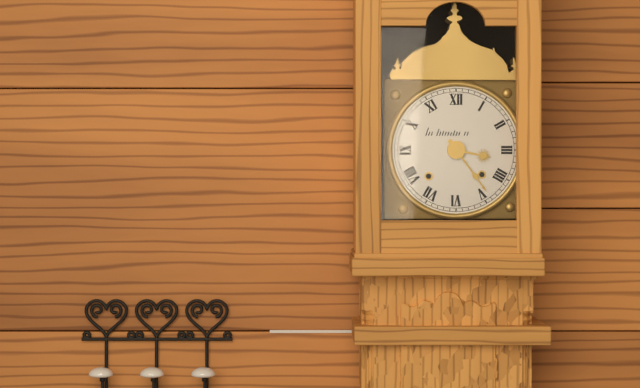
3,24
